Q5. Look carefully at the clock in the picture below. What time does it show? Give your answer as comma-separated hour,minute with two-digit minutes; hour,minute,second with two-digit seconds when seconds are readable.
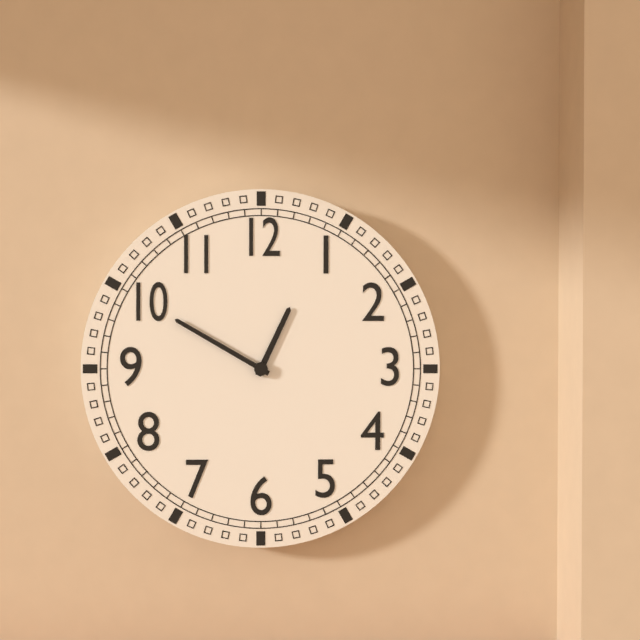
12,50
